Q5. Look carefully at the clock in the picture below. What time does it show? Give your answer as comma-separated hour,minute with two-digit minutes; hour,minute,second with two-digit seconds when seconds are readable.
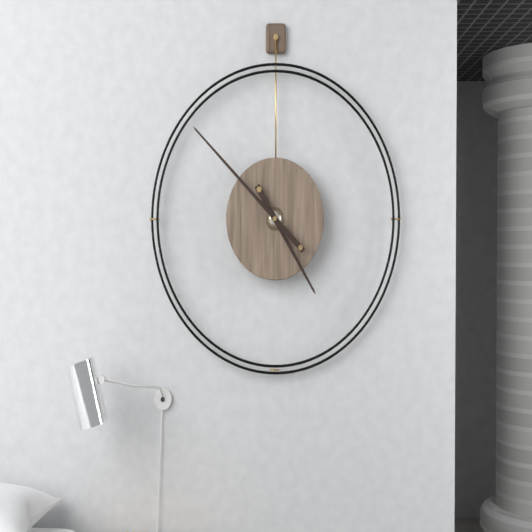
4,52
